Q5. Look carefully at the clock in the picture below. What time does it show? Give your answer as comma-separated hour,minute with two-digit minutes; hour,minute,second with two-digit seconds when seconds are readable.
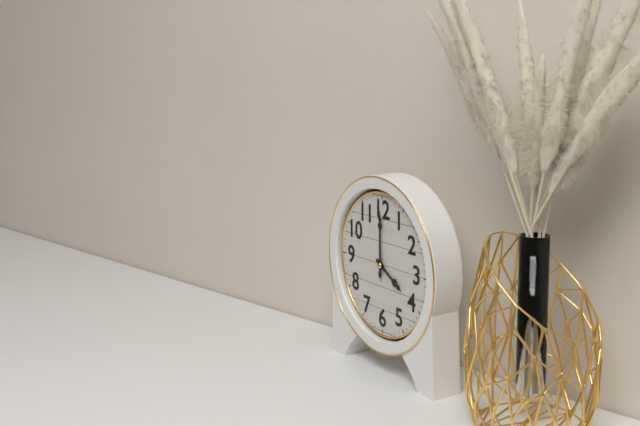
4,00
